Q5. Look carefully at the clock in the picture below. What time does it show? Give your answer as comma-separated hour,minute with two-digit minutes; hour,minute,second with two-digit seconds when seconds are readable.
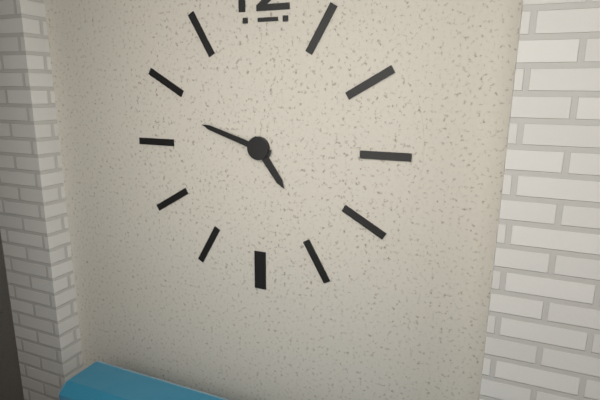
4,48
